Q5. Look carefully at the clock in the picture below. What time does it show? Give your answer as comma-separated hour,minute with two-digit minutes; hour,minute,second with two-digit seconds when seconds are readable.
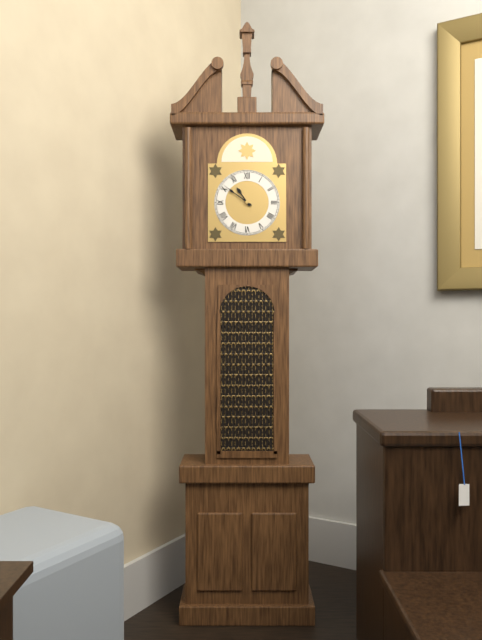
10,51
